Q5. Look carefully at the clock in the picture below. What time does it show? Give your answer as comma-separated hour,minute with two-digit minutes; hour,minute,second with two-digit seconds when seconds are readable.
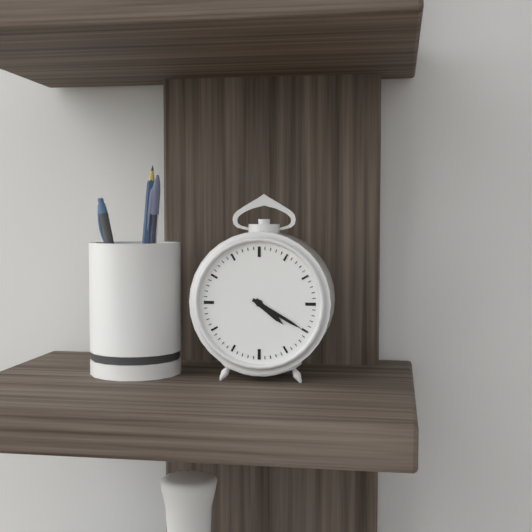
4,20
